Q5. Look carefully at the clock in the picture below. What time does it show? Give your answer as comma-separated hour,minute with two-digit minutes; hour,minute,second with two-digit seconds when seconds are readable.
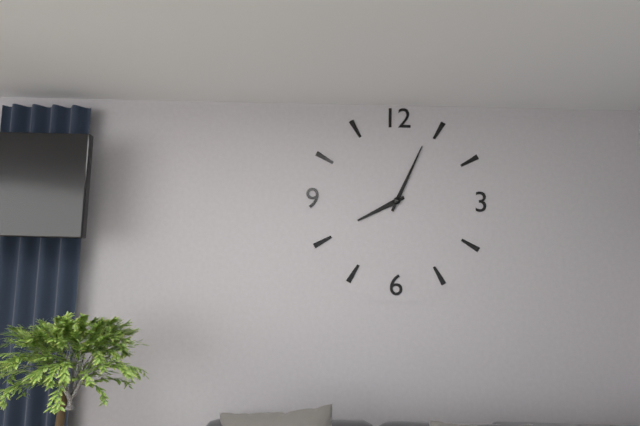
8,04
